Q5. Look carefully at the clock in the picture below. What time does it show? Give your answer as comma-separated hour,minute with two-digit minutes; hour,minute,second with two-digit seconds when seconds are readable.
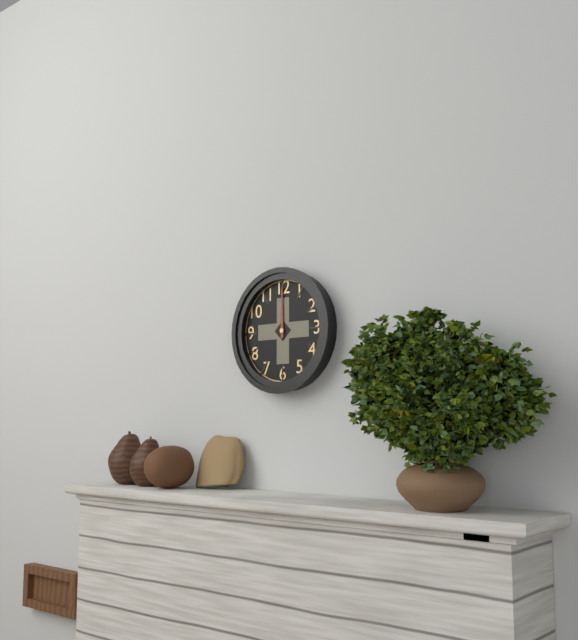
12,00
